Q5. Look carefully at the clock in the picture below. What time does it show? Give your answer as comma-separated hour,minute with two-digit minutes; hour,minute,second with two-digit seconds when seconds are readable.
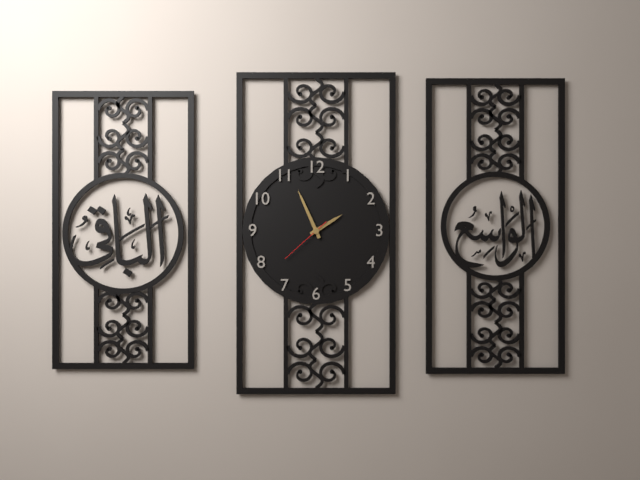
1,56,38
